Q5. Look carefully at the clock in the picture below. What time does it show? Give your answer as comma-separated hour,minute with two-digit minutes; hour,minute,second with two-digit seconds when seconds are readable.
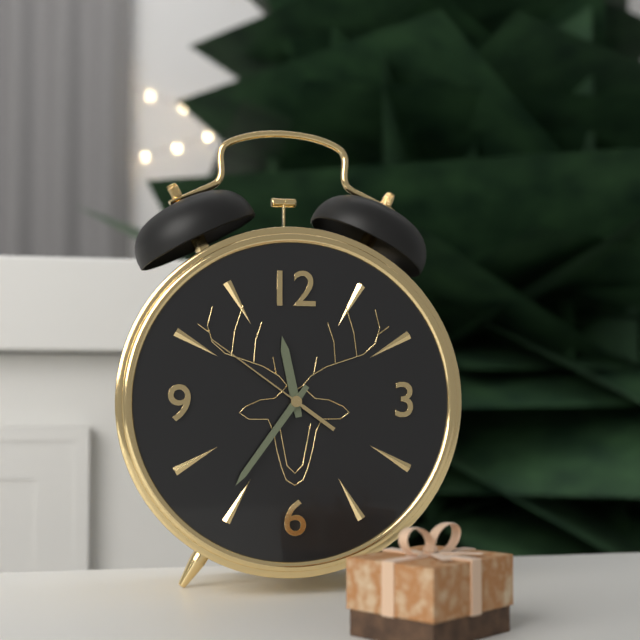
11,36,51
